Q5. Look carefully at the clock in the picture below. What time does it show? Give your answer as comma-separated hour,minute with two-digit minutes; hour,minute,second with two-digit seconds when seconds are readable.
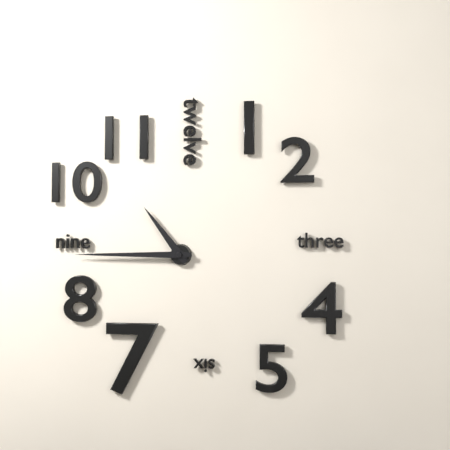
10,45
